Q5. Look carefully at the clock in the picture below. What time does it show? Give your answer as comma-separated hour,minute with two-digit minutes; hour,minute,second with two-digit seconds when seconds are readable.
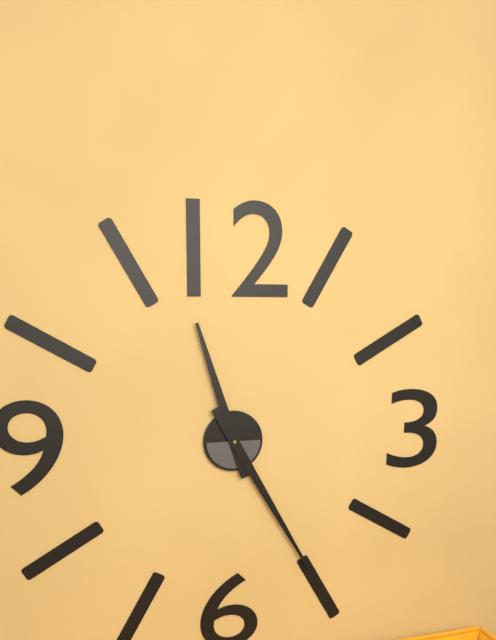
11,25
